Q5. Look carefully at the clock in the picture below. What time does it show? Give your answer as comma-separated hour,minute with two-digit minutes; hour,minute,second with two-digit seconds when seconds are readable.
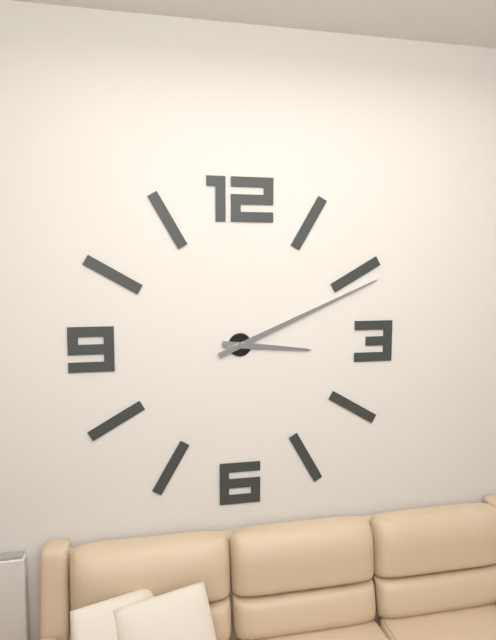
3,11
